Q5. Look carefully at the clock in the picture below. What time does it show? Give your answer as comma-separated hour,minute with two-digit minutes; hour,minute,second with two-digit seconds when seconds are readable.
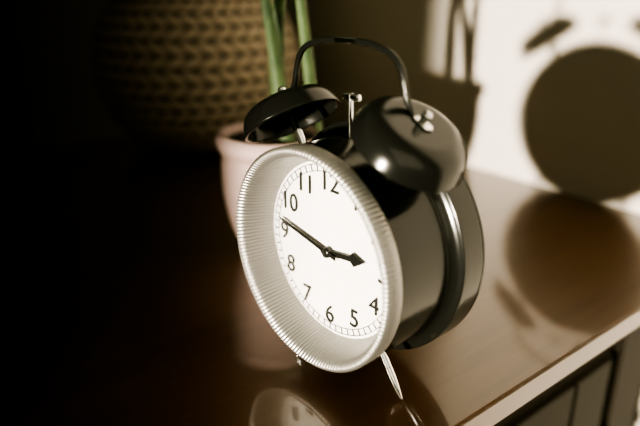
2,47
